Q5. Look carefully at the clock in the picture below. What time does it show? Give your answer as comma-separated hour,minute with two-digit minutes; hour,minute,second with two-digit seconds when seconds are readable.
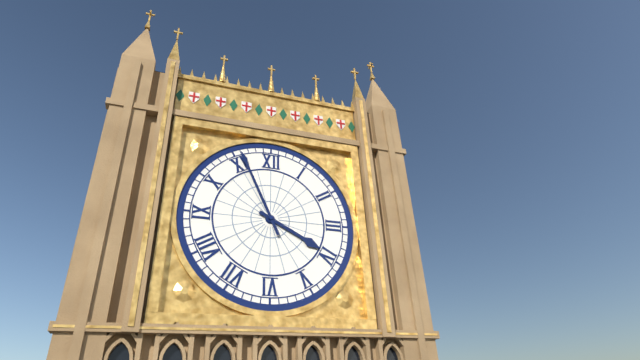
3,56
